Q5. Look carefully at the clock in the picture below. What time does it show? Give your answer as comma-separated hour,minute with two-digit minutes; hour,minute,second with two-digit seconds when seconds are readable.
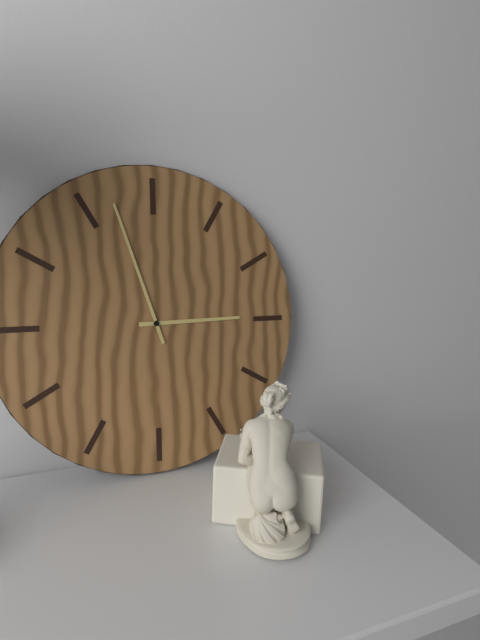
2,57
